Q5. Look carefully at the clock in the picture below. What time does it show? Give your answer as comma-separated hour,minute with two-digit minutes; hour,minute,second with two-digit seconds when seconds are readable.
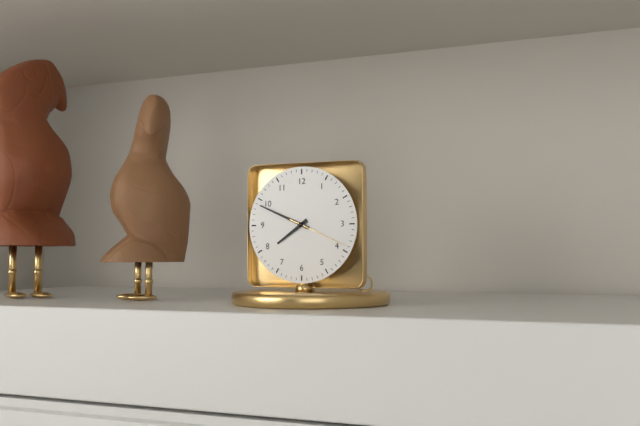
7,49,19
